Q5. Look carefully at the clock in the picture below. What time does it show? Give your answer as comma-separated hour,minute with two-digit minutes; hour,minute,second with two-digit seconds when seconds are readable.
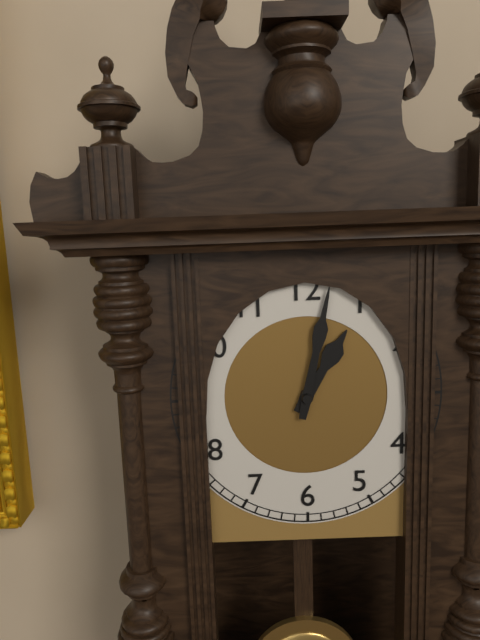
1,02
